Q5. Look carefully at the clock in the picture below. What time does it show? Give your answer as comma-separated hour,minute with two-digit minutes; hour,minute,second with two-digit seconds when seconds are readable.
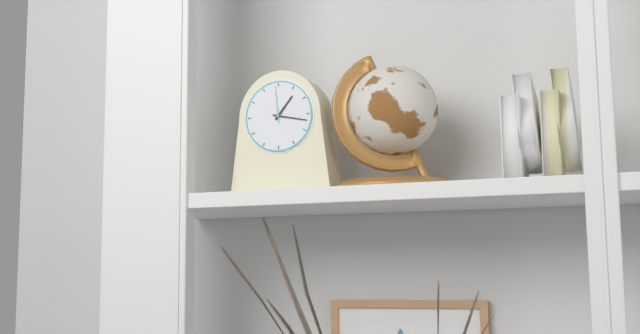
1,17
